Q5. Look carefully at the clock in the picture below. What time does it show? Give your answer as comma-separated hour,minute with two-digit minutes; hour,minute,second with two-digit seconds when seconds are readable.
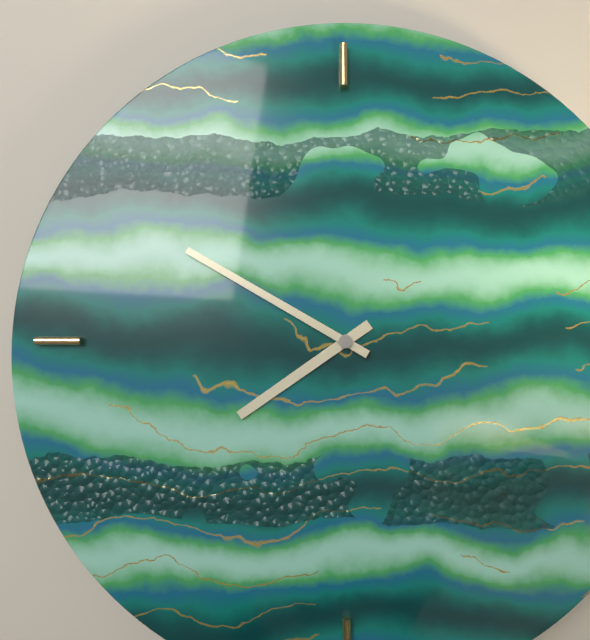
7,50
